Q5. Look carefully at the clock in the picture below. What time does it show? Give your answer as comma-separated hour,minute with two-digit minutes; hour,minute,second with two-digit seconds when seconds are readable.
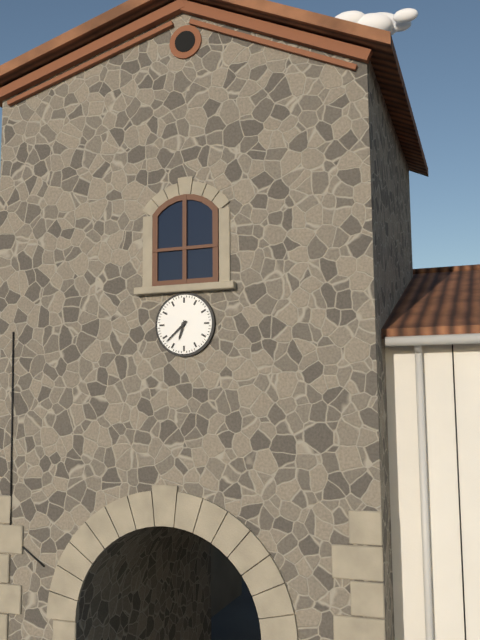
6,38
